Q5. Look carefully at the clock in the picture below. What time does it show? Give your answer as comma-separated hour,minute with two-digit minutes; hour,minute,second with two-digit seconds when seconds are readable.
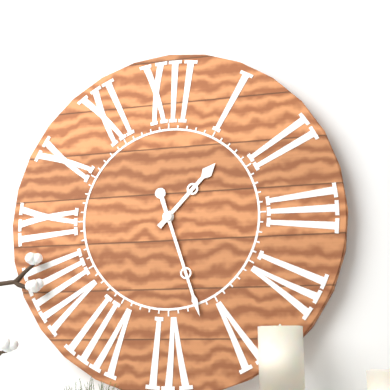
1,27
